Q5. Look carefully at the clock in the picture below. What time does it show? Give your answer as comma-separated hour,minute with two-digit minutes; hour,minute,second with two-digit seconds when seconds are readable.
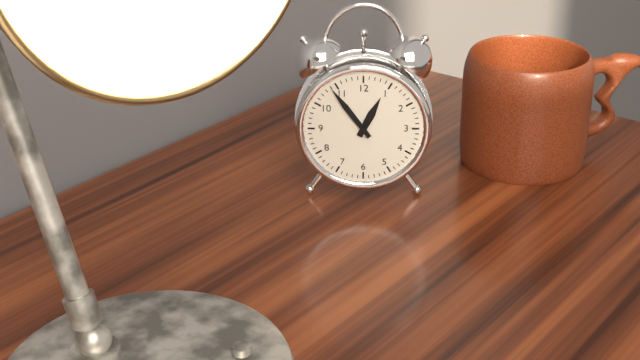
12,54
